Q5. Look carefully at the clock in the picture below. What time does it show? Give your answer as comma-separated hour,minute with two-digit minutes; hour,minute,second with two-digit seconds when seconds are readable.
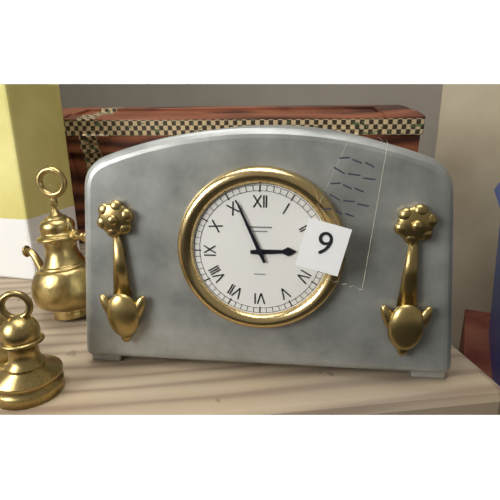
2,56
